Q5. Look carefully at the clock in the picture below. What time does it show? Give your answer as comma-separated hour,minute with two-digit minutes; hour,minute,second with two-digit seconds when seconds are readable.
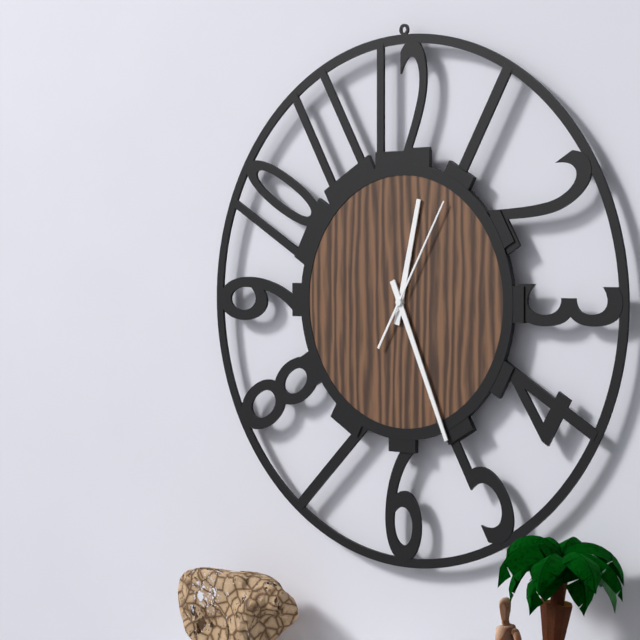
12,26,05
